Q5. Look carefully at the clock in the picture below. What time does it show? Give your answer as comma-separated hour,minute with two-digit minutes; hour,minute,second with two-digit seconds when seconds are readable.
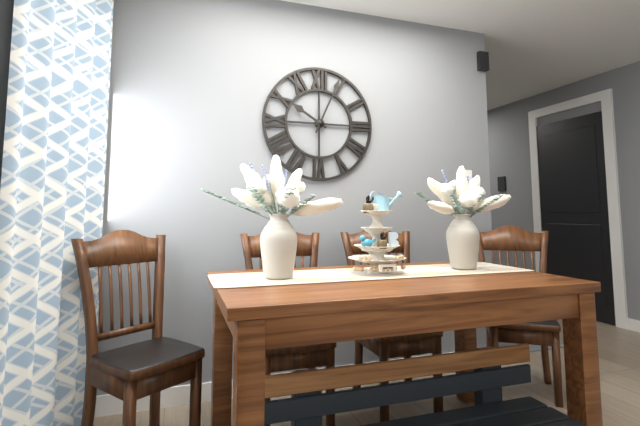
10,04
